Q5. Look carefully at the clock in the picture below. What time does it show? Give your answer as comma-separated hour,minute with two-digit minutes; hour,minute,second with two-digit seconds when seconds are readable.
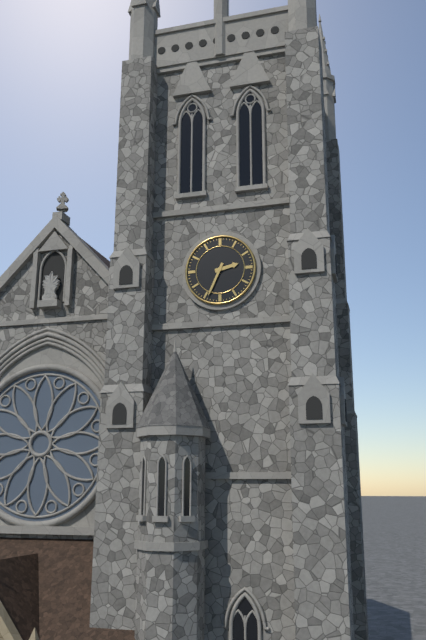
2,34
